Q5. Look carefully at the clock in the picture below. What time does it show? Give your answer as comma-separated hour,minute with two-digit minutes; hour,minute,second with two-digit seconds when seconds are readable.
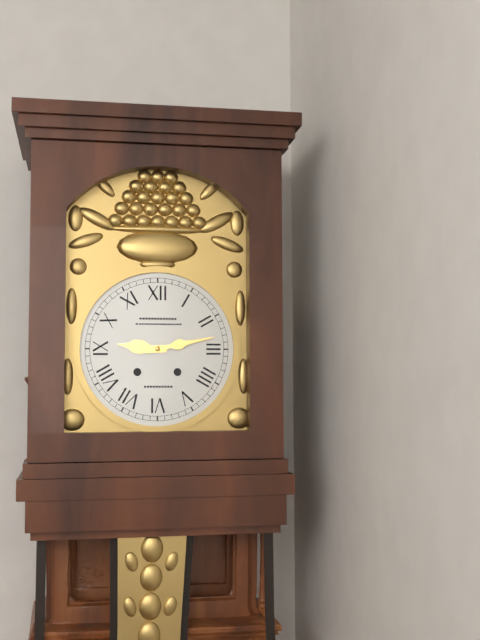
9,13
